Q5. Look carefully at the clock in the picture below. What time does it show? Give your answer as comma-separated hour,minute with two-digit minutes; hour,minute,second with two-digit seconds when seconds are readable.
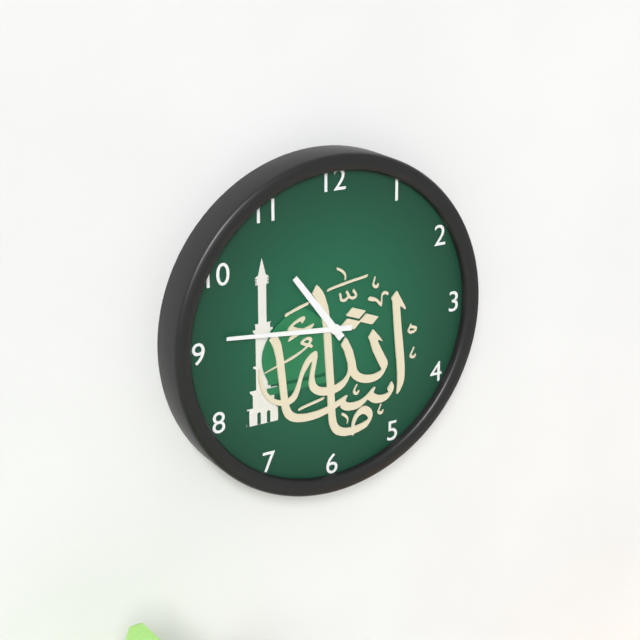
10,46
